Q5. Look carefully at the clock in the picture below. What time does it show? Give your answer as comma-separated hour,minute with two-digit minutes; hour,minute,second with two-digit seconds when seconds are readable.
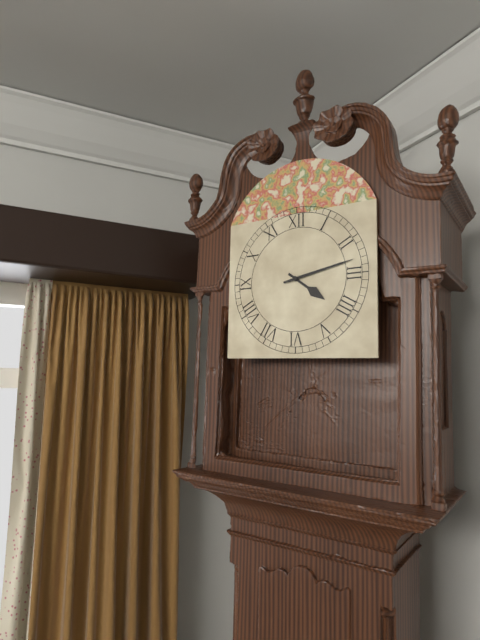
4,13
